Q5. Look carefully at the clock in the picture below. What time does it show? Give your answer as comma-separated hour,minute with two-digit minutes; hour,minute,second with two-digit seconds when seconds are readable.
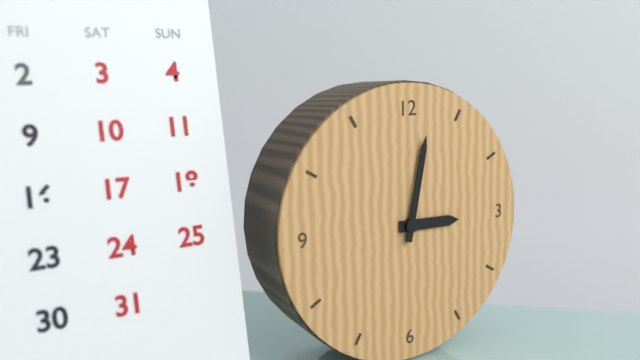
3,02
